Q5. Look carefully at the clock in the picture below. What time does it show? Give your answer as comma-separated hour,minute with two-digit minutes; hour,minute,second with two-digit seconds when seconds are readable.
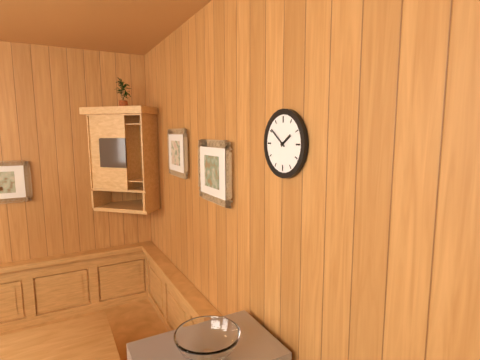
1,51
